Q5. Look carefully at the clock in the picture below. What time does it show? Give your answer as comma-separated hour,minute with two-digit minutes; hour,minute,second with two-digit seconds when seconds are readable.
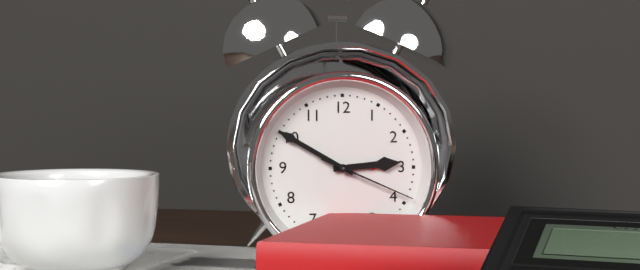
2,50,19
